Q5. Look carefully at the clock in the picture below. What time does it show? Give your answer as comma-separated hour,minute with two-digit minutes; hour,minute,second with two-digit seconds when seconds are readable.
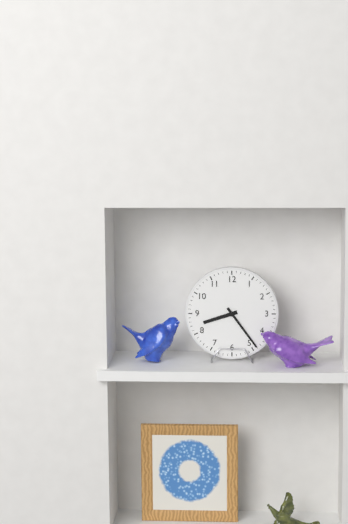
8,24
